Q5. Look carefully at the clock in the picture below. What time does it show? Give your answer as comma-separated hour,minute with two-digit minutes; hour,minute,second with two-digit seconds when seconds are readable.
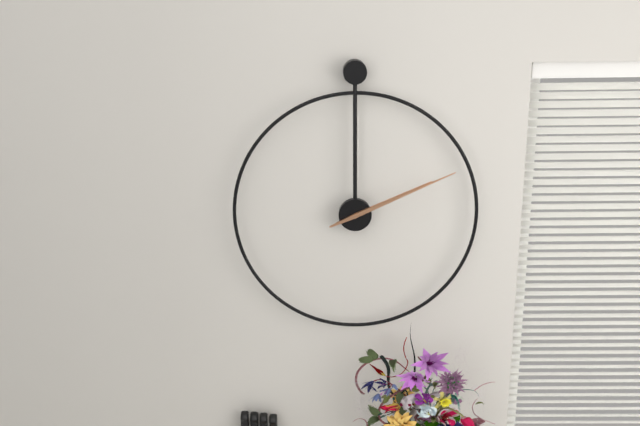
2,11
